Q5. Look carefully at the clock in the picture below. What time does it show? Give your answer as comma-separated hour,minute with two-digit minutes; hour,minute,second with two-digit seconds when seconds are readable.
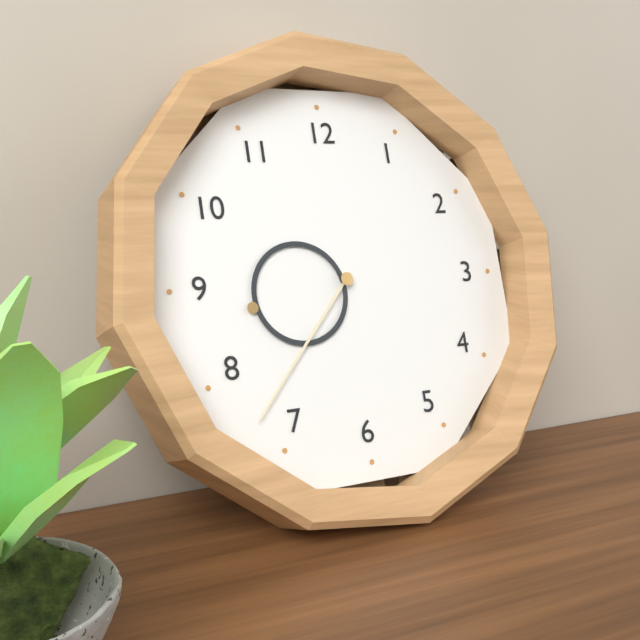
8,37
